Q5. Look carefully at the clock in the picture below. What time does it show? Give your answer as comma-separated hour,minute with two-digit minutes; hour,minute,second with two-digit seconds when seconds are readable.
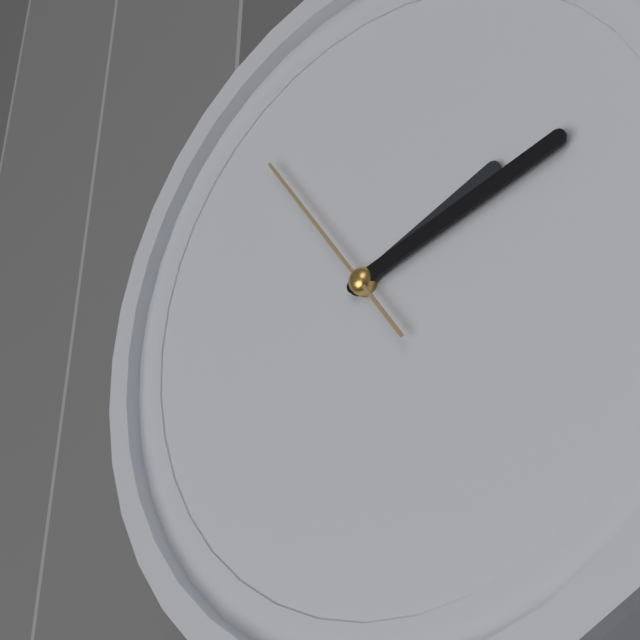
2,12,54
